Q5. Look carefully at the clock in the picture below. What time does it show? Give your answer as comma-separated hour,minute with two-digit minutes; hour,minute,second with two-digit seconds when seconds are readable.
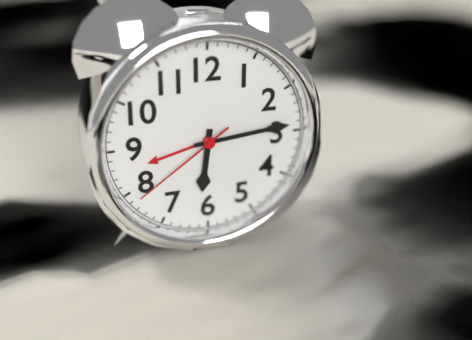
6,14,39
